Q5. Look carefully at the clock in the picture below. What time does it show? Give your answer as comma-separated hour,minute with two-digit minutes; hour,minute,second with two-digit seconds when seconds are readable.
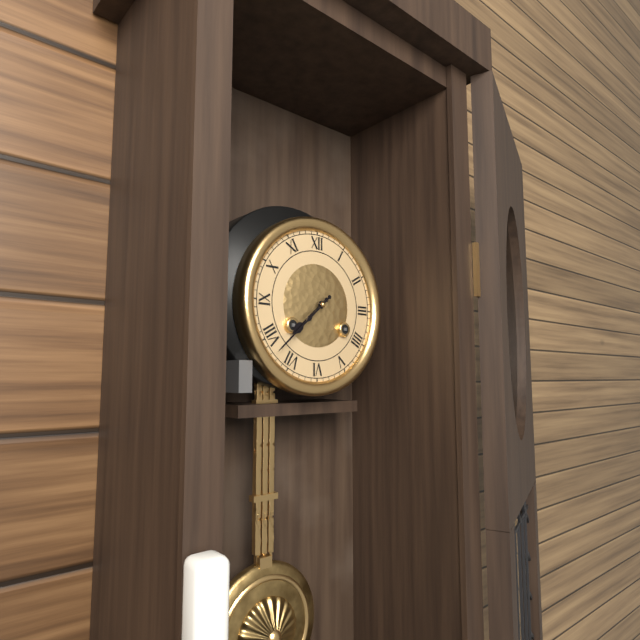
7,38
